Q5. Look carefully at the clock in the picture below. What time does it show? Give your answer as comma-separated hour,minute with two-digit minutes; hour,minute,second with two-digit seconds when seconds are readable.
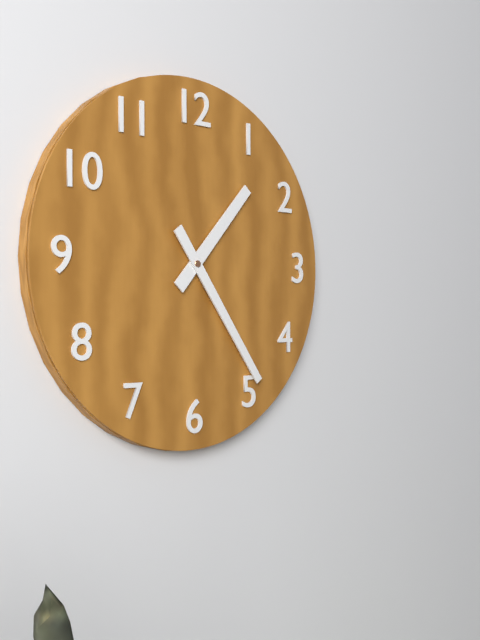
1,24
